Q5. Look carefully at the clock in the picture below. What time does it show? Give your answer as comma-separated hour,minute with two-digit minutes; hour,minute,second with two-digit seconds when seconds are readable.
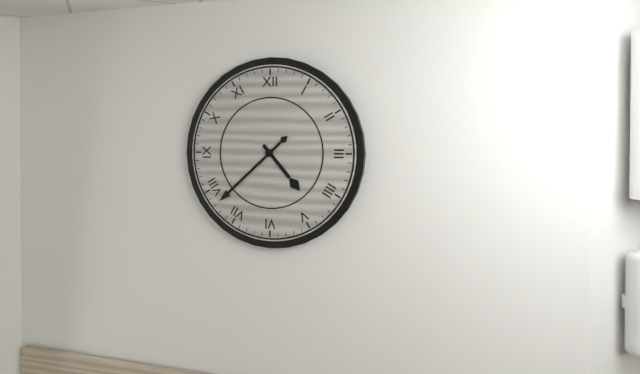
4,38
